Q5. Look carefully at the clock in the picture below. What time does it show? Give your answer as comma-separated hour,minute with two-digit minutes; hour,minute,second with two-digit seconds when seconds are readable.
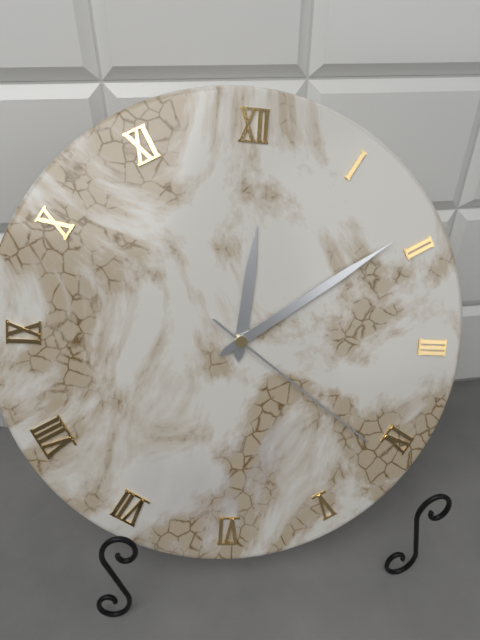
12,09,21
